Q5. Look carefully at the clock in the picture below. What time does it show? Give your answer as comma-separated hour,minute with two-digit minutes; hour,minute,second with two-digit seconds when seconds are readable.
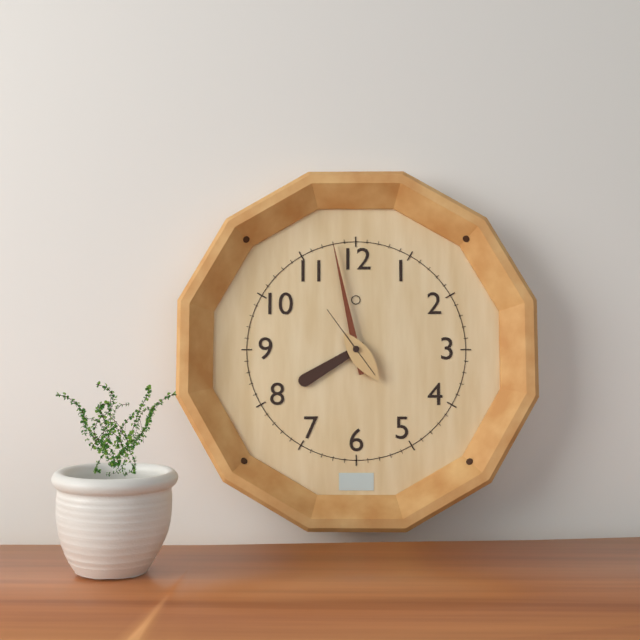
7,58,54
